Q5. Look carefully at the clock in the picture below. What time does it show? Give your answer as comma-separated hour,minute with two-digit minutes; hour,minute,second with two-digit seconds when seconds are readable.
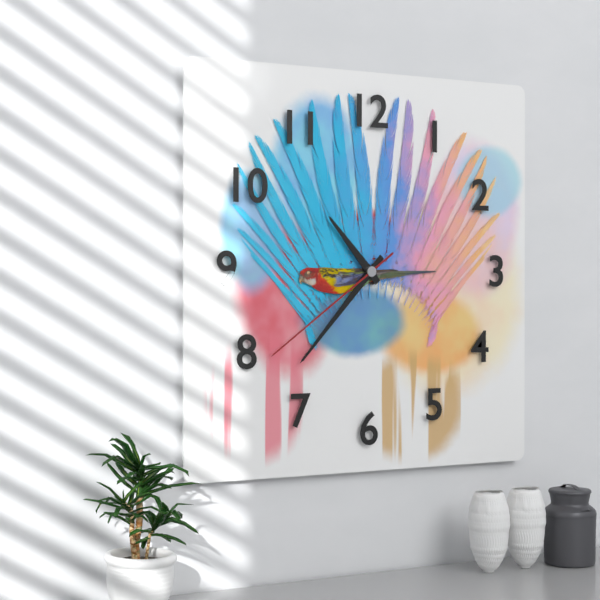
10,37,39
